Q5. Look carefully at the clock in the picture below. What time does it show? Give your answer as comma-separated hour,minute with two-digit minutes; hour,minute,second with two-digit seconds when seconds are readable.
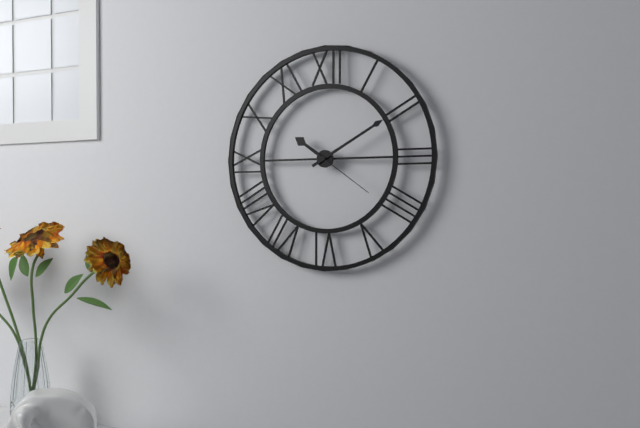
10,10,21
